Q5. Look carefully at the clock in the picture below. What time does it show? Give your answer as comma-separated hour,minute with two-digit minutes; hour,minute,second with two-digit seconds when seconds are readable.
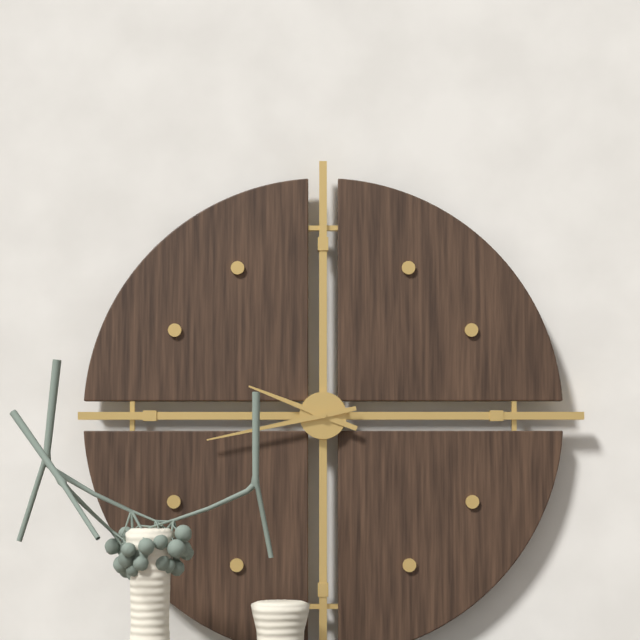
9,43
